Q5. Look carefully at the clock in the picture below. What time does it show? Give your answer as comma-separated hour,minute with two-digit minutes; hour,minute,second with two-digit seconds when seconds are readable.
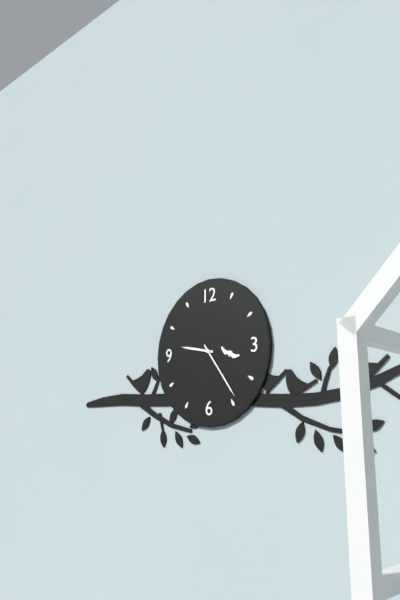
9,24
